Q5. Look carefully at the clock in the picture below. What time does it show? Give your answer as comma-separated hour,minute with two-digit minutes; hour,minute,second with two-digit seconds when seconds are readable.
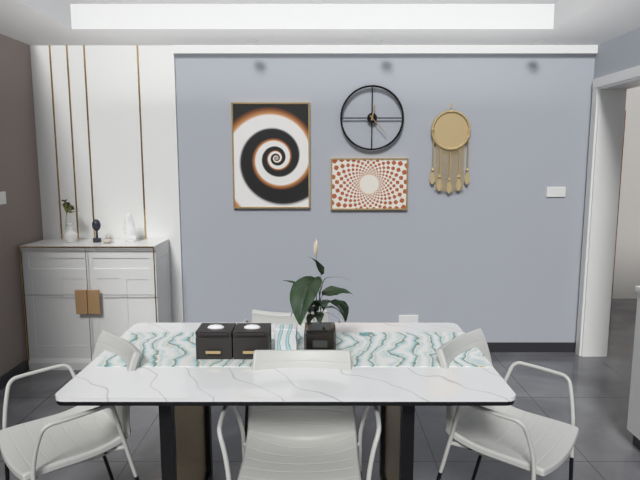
12,23
